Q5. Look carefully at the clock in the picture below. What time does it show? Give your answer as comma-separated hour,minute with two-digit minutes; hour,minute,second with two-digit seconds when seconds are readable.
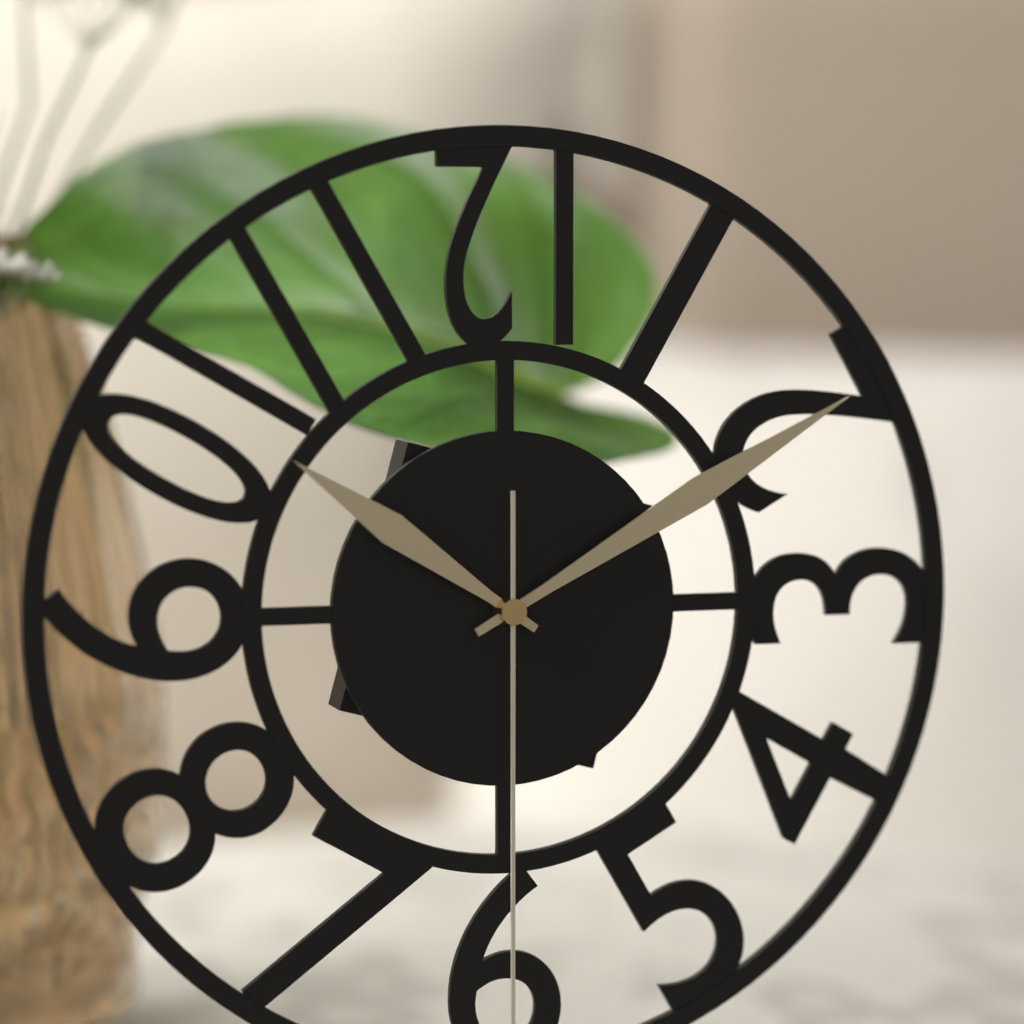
10,10
